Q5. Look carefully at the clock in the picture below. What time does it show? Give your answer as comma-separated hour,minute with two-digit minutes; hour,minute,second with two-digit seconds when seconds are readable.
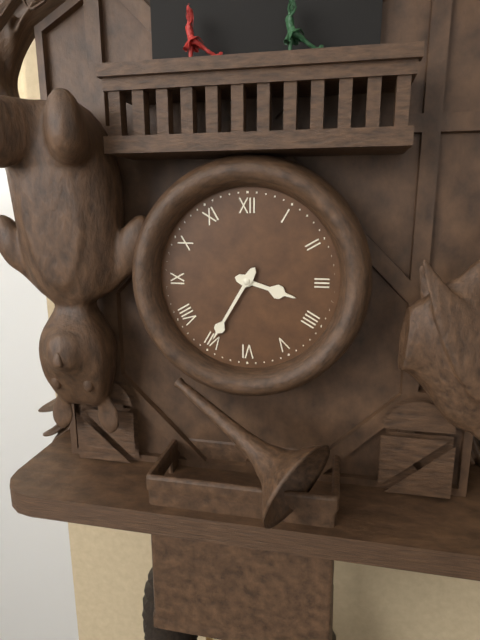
3,35
